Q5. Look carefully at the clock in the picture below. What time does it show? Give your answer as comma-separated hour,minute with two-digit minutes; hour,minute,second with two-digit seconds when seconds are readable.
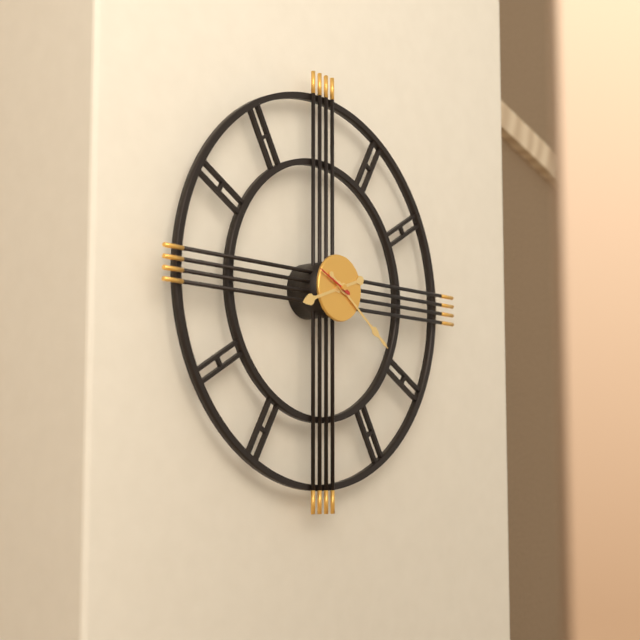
8,21
